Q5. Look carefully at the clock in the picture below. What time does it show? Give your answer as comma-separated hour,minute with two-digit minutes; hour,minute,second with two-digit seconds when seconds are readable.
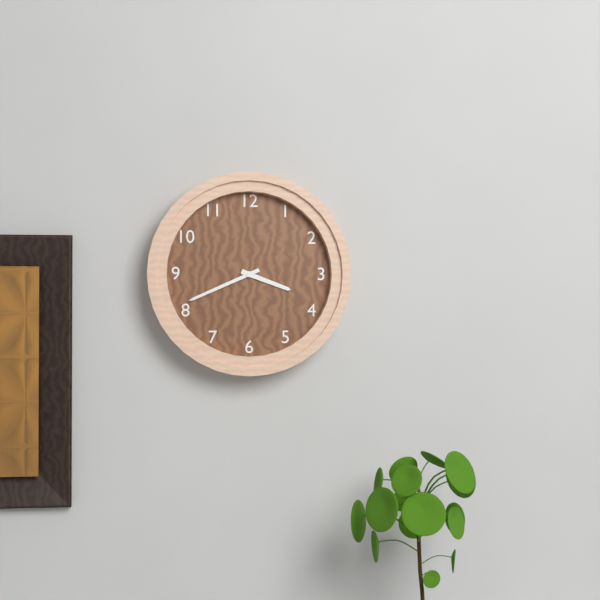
3,41
